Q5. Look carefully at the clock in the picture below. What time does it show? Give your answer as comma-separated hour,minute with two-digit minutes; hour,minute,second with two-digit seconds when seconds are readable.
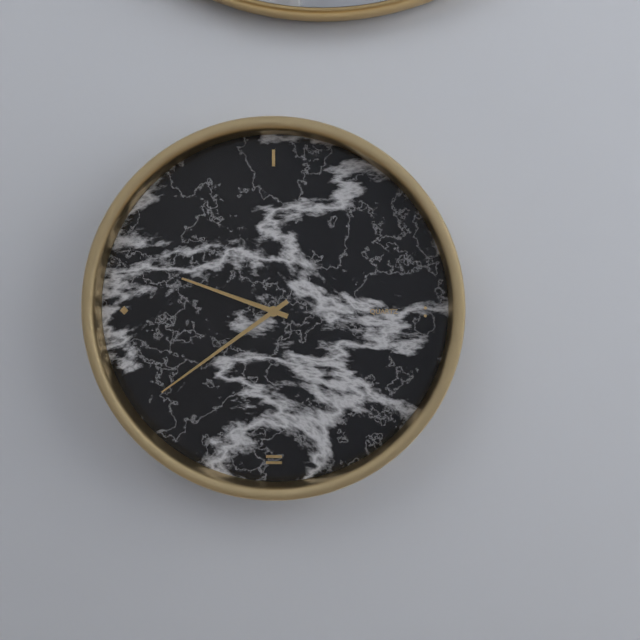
9,39
